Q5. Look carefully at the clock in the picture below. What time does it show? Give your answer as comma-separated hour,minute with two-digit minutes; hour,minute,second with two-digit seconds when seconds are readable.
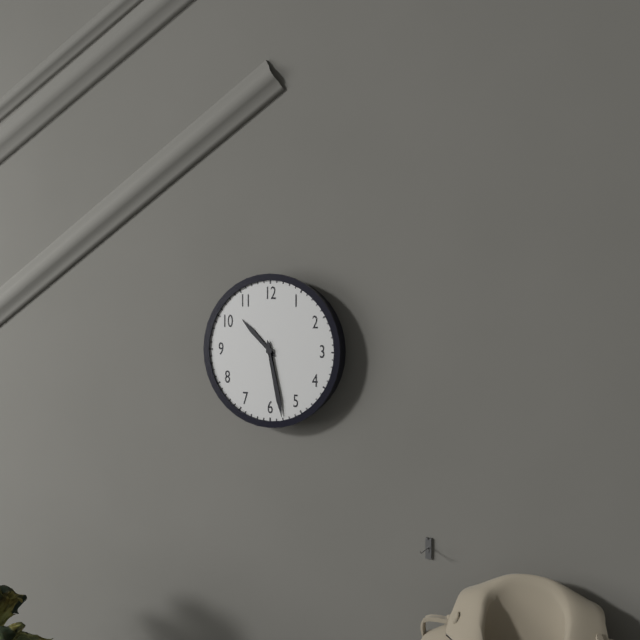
10,28
